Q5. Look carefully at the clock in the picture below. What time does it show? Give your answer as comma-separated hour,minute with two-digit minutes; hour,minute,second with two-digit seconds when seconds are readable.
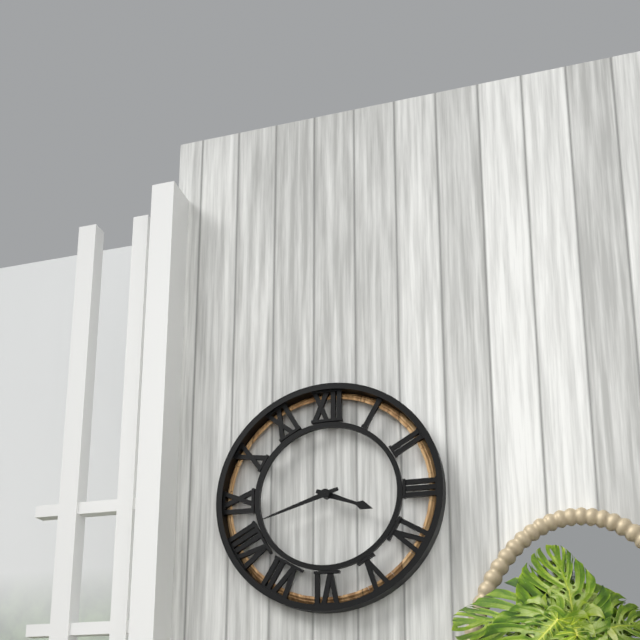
3,42
